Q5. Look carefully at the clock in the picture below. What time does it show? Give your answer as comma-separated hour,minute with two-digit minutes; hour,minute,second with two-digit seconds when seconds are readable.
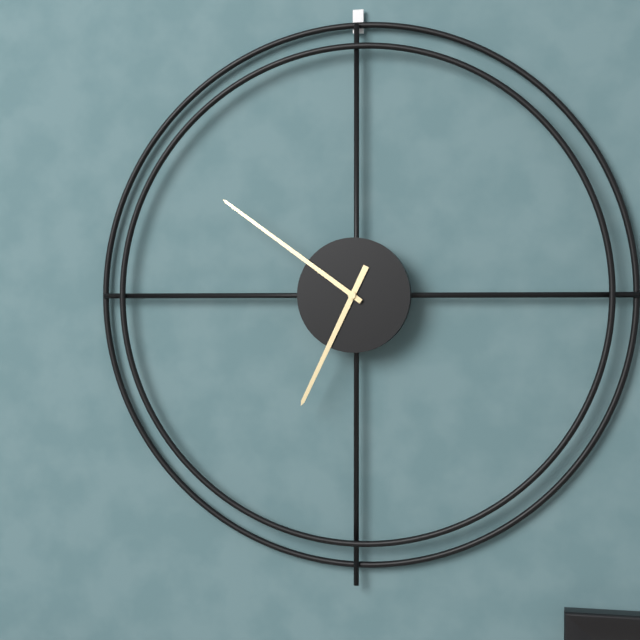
6,51
